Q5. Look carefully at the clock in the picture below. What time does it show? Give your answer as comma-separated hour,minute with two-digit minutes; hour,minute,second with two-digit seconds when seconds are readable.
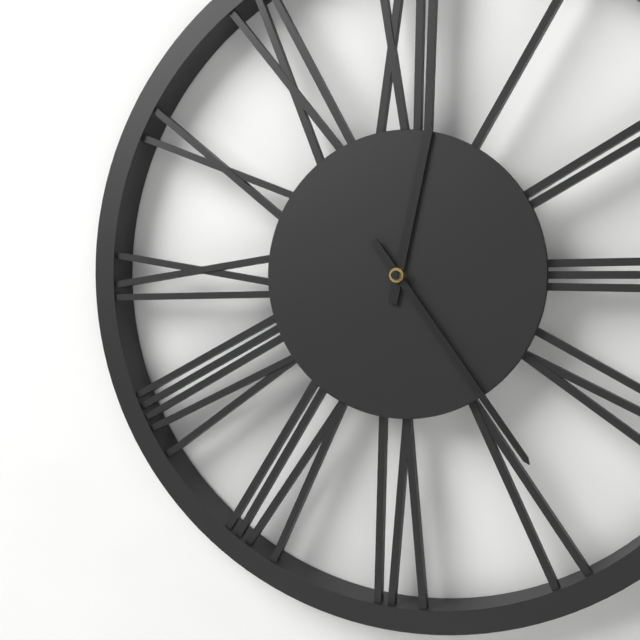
12,24
